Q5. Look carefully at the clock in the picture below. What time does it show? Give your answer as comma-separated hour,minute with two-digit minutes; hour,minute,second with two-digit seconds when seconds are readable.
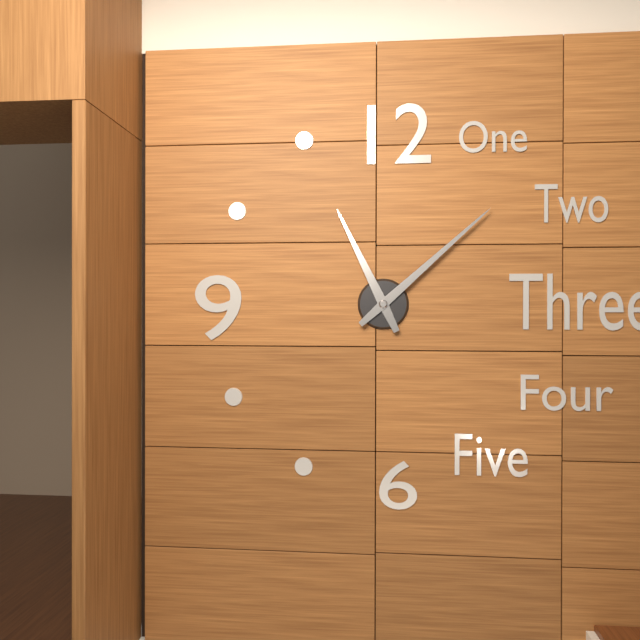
11,08
